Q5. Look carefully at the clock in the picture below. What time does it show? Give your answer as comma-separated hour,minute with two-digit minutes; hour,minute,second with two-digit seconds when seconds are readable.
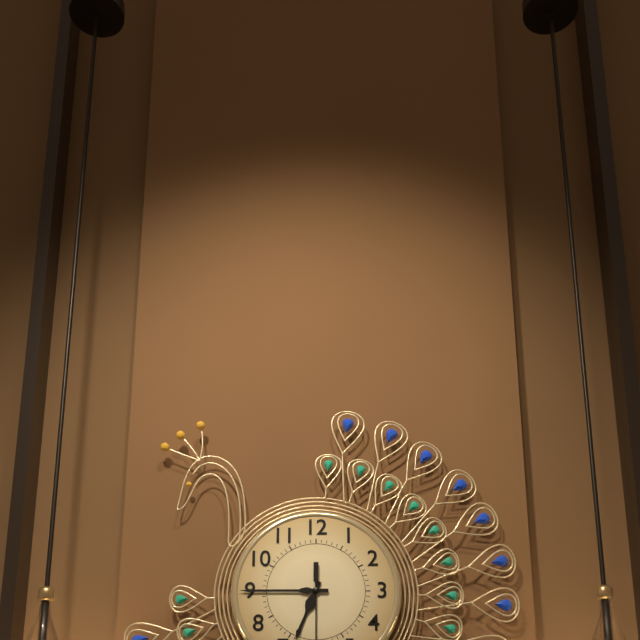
6,45
